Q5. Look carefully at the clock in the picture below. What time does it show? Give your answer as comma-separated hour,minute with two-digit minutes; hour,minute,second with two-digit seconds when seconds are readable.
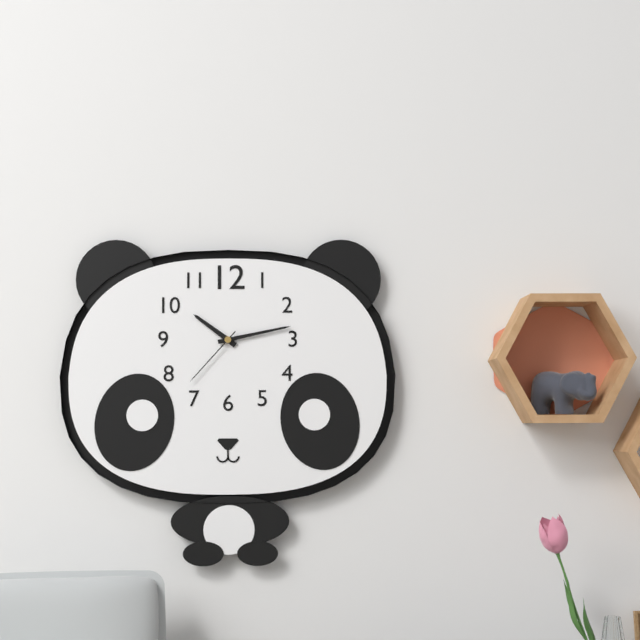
10,13,37
